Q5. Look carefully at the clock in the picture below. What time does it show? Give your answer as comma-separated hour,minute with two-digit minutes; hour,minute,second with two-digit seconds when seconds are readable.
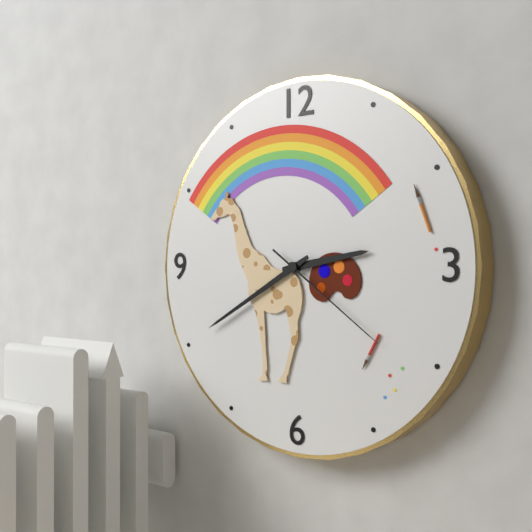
2,40,21
